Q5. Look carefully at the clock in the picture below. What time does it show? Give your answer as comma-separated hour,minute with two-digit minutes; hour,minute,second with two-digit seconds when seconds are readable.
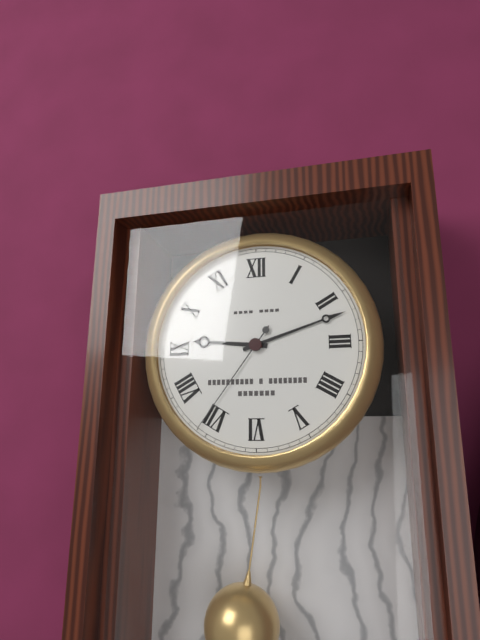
9,12,36
